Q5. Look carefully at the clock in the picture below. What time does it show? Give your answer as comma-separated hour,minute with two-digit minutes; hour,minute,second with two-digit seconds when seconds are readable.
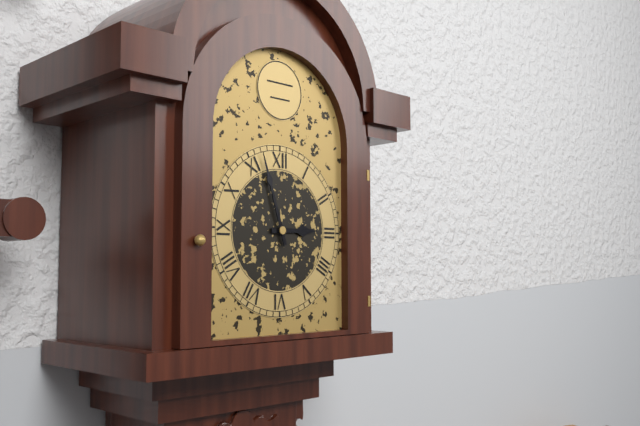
2,57
